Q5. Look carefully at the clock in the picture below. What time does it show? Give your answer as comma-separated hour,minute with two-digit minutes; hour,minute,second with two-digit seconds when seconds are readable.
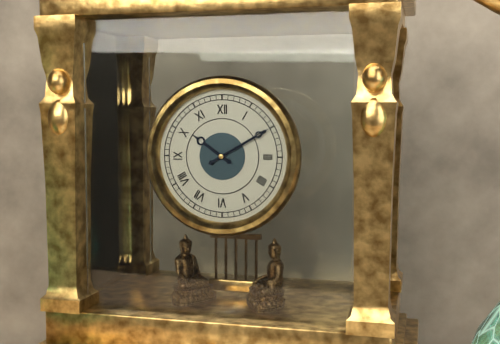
10,10
